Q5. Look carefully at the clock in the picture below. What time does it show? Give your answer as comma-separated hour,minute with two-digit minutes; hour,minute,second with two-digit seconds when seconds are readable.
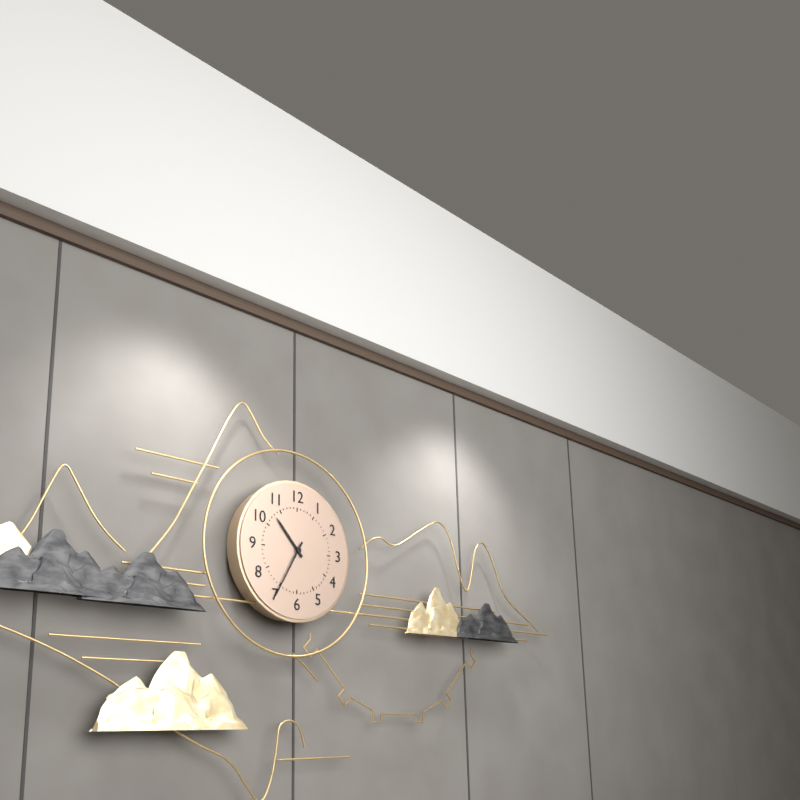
10,35
